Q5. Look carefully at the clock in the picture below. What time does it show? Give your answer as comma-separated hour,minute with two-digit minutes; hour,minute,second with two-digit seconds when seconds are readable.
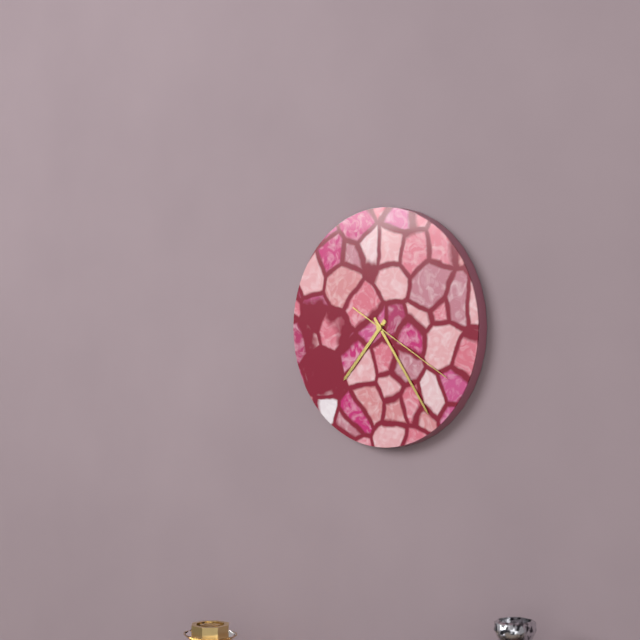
7,24,20
